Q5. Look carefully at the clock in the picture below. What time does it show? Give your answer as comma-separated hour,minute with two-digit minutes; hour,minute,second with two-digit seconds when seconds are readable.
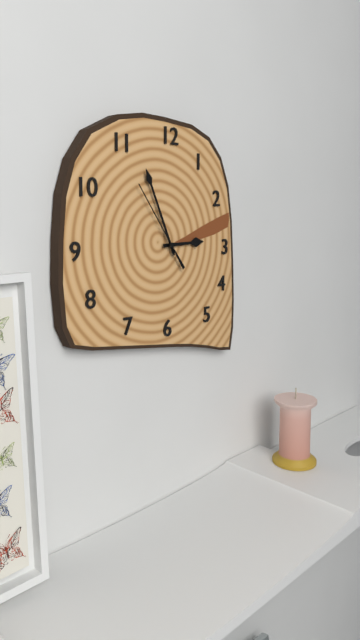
2,56,54
